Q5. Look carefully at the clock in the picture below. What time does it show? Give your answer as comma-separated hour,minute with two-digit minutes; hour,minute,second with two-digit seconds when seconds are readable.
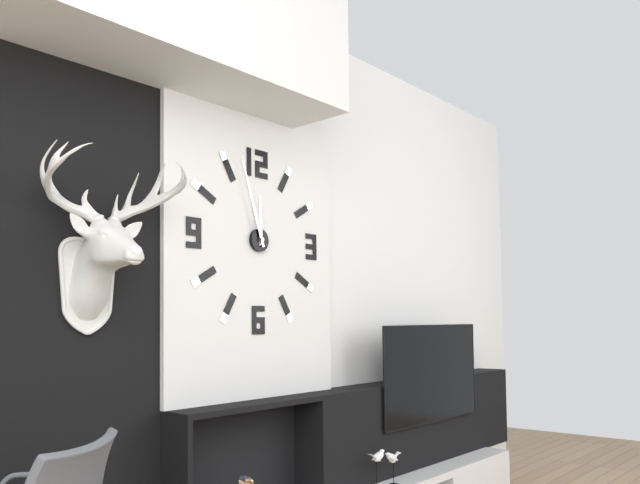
11,57
